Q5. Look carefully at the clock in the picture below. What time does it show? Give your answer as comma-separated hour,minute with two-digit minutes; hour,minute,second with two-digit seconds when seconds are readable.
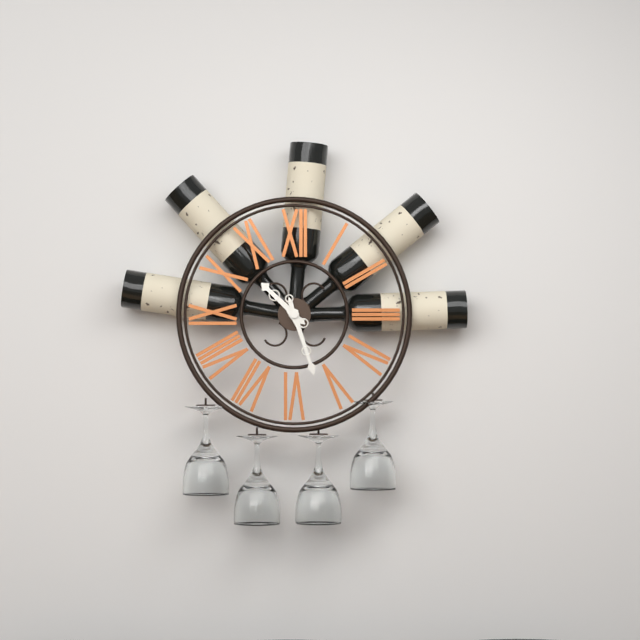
10,27
